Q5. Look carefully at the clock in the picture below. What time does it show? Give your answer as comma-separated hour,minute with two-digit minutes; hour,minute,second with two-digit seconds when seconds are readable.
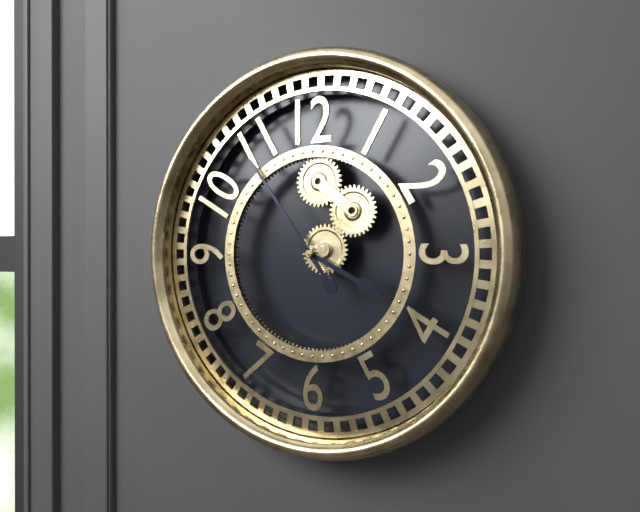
3,54
